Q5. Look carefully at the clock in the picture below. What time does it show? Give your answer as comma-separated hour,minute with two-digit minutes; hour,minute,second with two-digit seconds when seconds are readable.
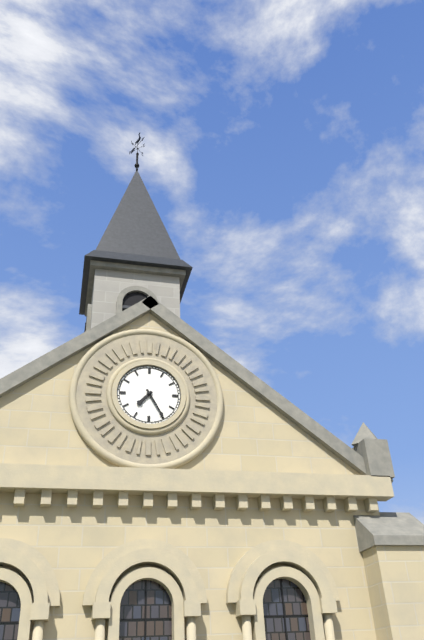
7,25
